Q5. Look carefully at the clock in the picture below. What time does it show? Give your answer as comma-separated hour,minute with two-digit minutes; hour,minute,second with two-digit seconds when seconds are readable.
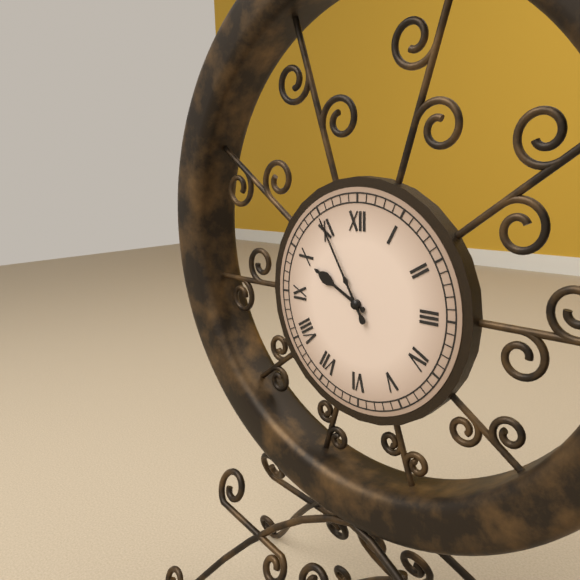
9,55
